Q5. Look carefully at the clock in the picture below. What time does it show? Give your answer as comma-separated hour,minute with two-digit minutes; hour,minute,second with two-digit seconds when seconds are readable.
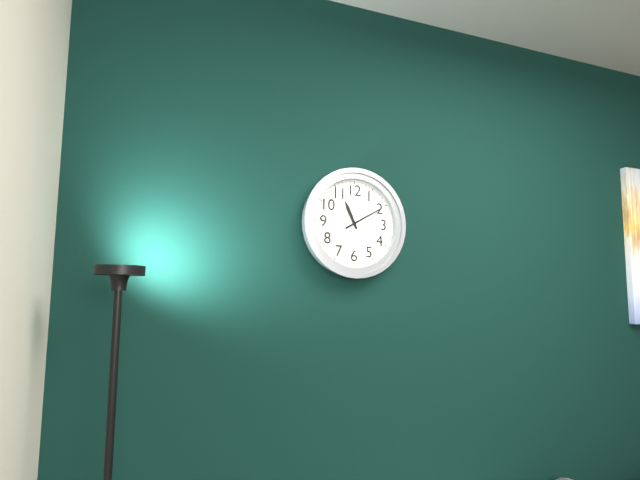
11,10
